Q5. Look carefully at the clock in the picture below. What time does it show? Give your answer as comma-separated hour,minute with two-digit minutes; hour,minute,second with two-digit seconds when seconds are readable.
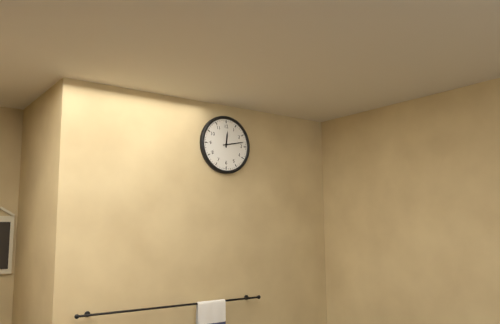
12,13
